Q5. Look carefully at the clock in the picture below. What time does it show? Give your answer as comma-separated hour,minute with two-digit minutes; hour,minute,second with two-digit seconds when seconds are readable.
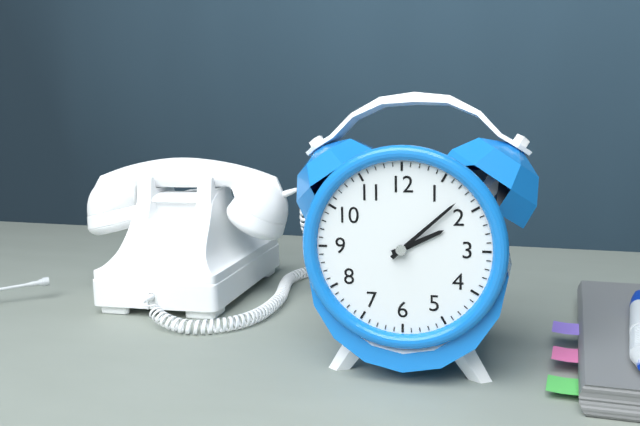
2,08
